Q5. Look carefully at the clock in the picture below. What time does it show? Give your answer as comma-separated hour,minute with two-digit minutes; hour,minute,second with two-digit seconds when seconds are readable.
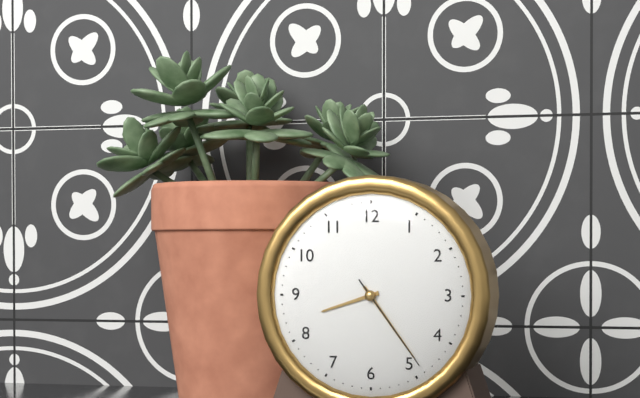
8,24,24
